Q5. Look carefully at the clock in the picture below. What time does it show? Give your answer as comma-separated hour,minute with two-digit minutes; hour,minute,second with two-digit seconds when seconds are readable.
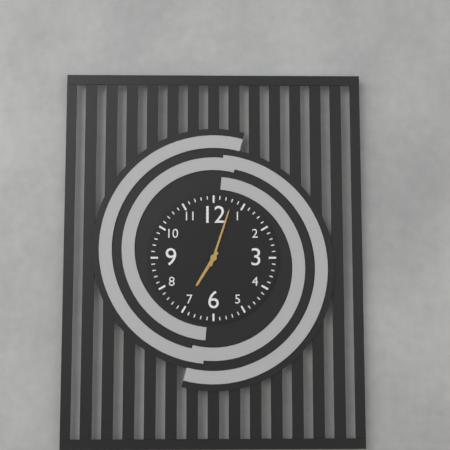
7,03
